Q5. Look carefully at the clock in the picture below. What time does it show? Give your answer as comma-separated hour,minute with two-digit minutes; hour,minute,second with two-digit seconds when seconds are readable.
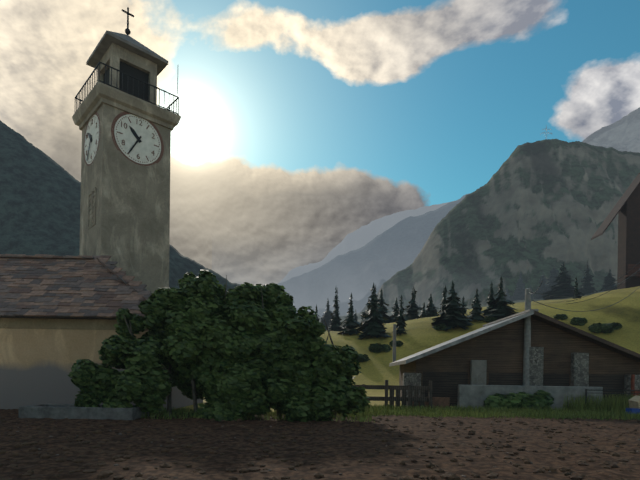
10,35
